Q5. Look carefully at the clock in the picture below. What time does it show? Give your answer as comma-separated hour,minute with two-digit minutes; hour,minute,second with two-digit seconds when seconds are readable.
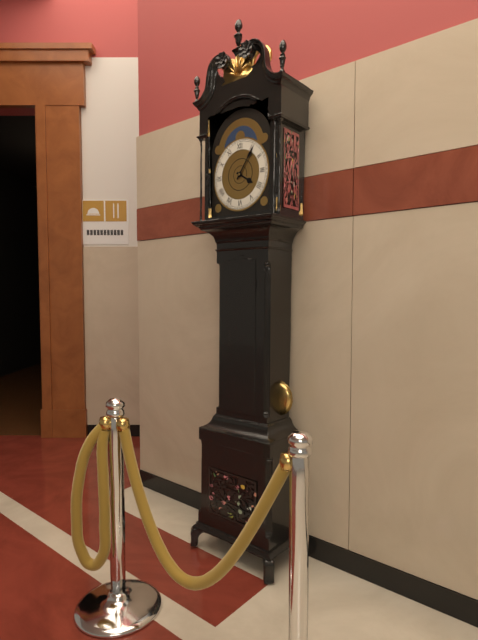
4,06
